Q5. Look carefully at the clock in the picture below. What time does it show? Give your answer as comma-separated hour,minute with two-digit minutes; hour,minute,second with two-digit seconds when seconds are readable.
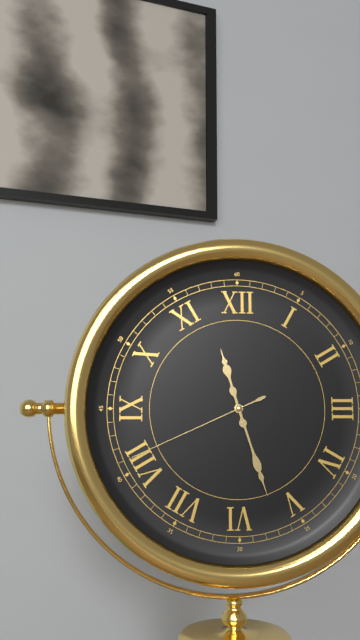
11,27,41
